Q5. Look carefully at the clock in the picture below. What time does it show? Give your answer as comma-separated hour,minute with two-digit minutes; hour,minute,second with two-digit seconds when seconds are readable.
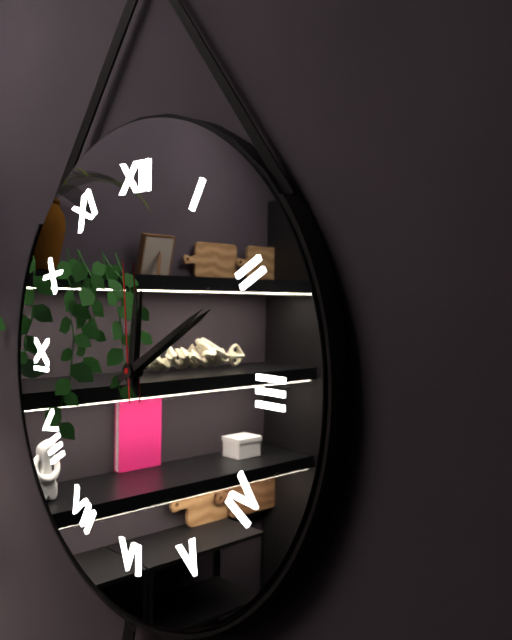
12,10,59
